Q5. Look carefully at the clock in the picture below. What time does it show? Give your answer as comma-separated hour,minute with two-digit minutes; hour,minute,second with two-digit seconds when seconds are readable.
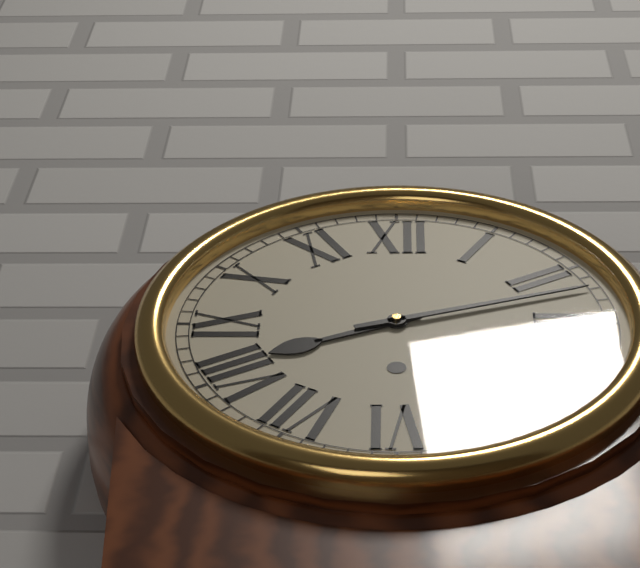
8,12
